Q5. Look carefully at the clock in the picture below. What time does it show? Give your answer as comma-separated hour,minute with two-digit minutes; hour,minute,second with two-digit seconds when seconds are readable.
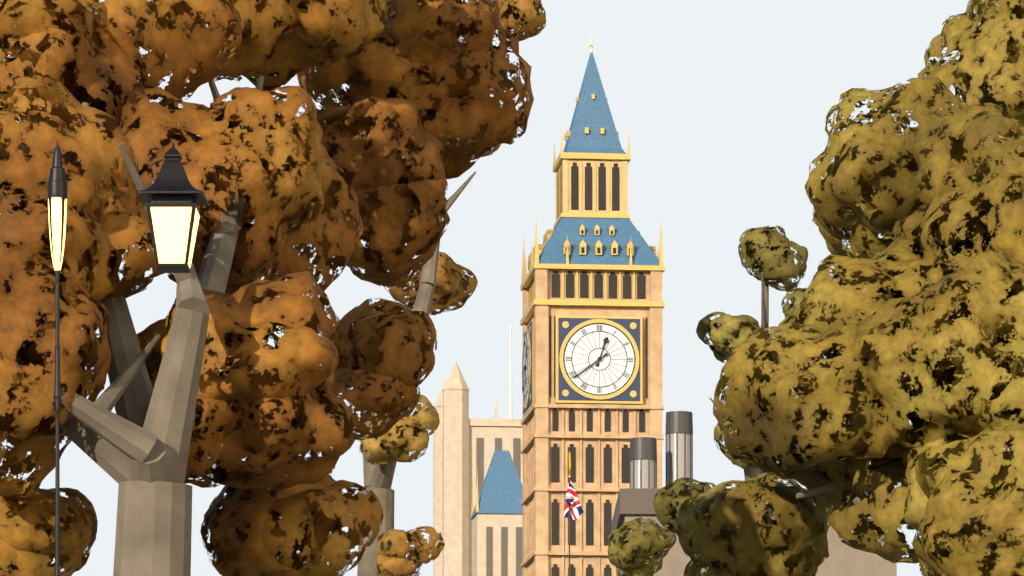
12,39
